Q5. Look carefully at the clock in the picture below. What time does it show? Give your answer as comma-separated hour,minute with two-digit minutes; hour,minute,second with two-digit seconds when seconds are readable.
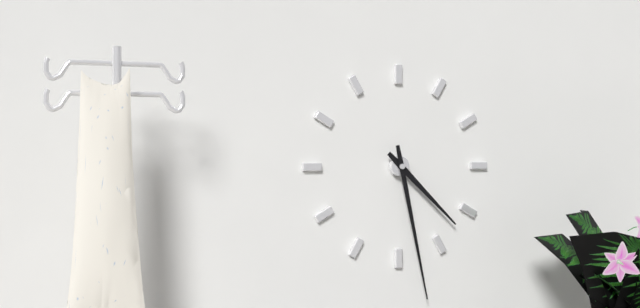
4,28
